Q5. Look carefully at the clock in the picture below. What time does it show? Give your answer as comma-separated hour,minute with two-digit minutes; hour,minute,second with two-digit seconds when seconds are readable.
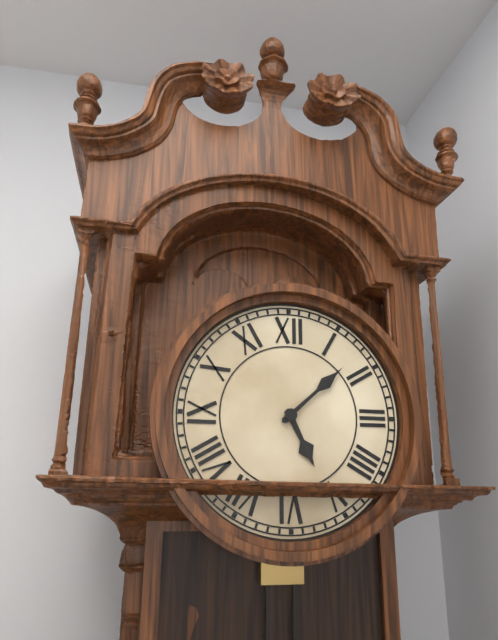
5,08
